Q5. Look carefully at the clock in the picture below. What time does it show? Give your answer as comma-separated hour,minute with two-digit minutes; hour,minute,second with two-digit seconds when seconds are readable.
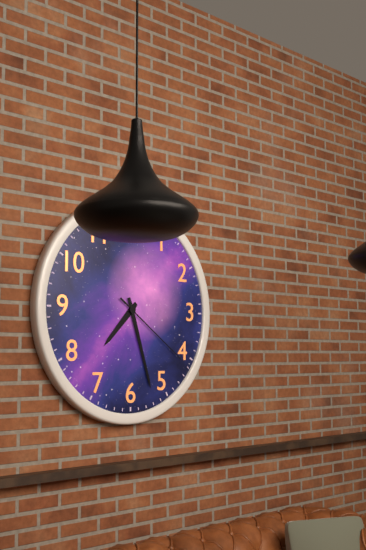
7,27,21
